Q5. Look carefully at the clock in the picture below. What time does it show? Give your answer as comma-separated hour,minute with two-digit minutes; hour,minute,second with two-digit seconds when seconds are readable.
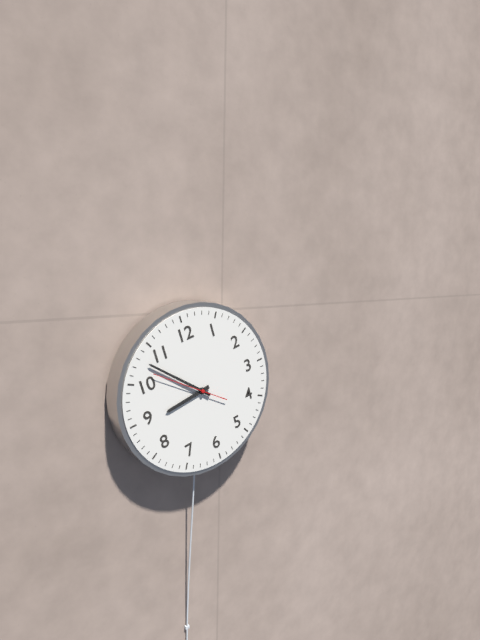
8,53,52
